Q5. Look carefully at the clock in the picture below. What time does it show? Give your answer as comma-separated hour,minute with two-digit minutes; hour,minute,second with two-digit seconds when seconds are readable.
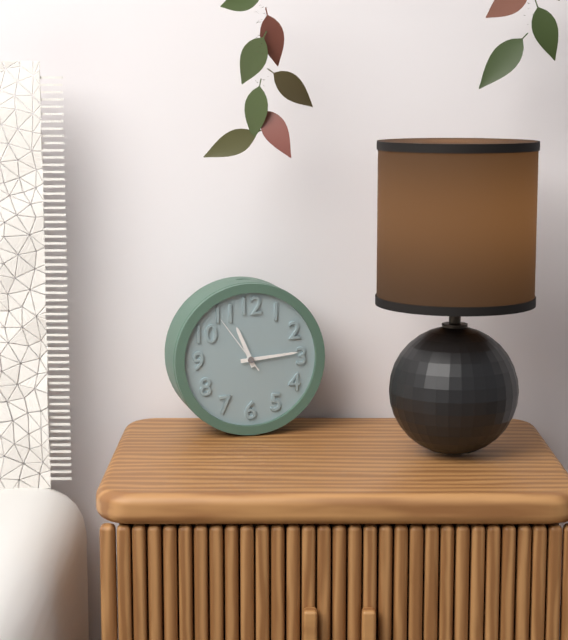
11,14,54
